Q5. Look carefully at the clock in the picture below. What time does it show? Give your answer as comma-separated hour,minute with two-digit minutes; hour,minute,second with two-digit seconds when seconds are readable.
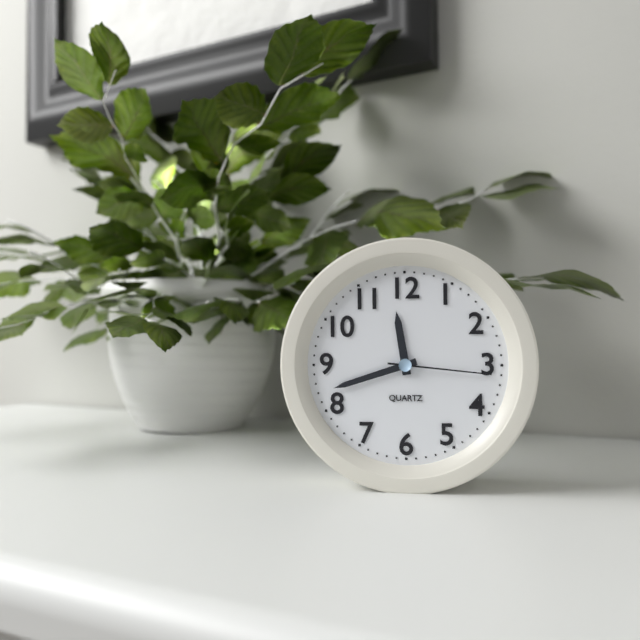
11,42,16
